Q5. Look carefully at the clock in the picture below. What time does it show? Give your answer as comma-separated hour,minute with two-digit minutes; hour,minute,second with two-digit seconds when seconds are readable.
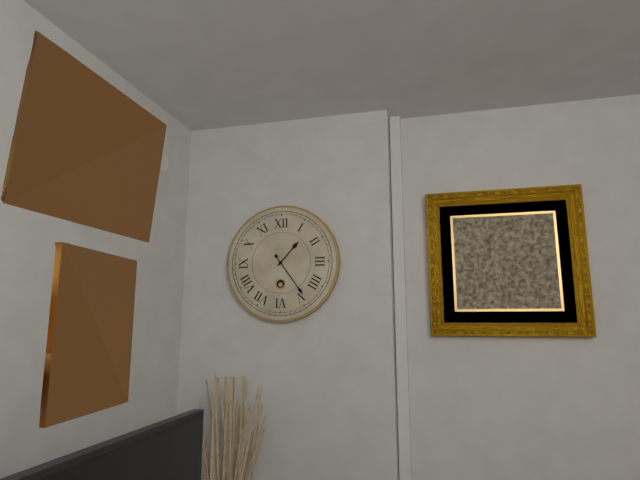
1,24
